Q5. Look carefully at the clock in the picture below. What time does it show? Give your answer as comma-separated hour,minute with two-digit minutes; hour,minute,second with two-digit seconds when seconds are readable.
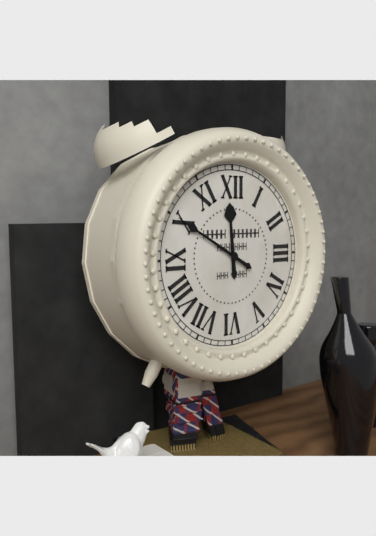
11,50
